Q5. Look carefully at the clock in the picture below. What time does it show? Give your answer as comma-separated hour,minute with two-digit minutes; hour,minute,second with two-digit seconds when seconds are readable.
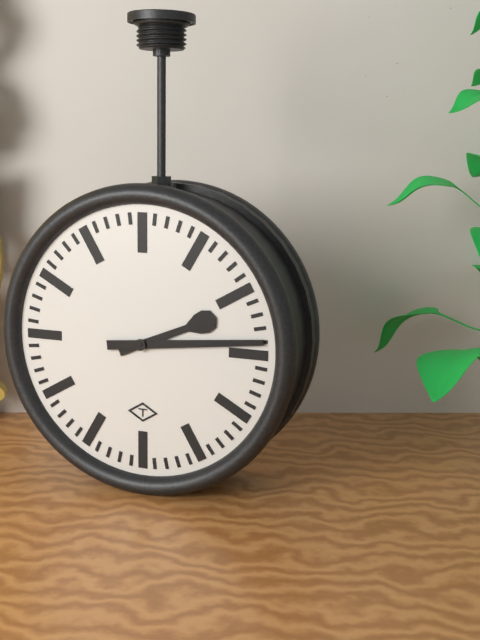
2,14
